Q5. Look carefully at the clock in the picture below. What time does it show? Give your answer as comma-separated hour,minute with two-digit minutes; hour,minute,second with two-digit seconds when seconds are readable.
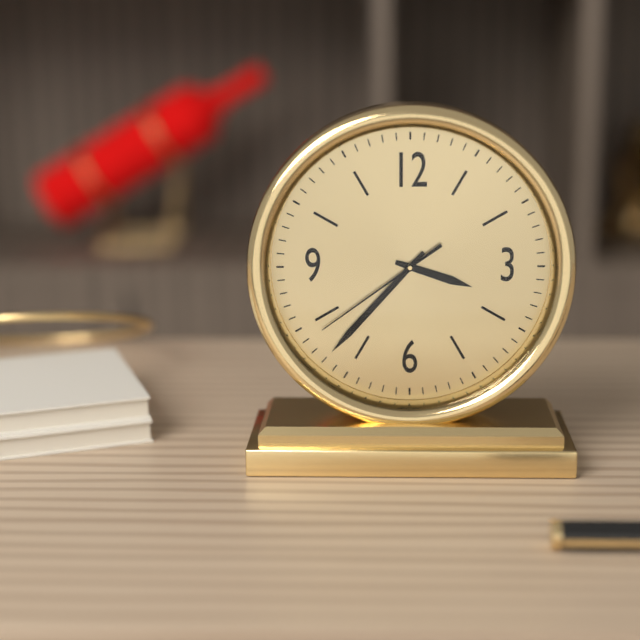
3,37,39
